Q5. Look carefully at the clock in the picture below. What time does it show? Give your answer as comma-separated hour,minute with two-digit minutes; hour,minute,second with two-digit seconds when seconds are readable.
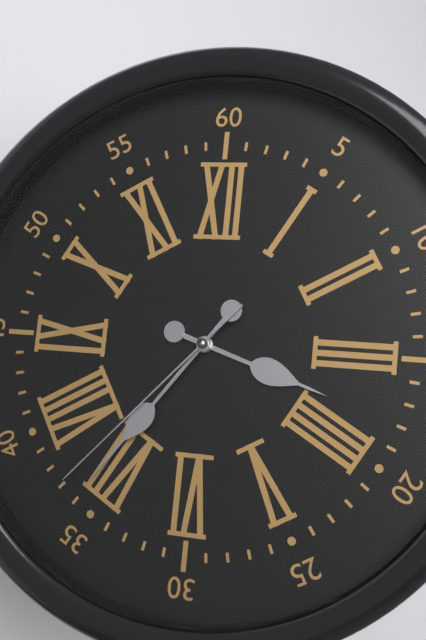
3,36,37
